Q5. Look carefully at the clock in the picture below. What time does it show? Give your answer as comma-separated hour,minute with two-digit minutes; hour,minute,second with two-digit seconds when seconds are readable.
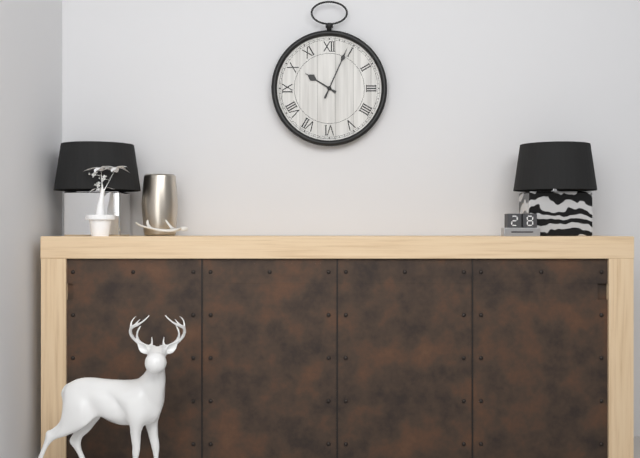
10,04
